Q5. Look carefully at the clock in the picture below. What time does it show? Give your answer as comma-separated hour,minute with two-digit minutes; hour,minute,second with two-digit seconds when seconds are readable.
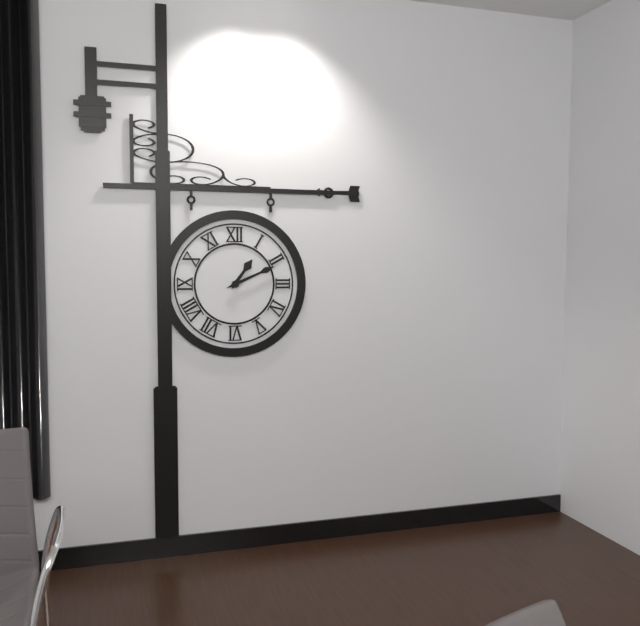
1,11
